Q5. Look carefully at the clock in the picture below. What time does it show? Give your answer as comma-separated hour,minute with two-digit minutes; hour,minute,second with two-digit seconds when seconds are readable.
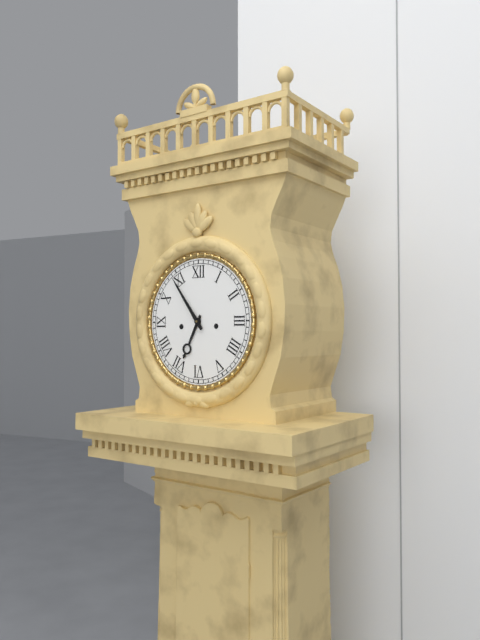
6,54
